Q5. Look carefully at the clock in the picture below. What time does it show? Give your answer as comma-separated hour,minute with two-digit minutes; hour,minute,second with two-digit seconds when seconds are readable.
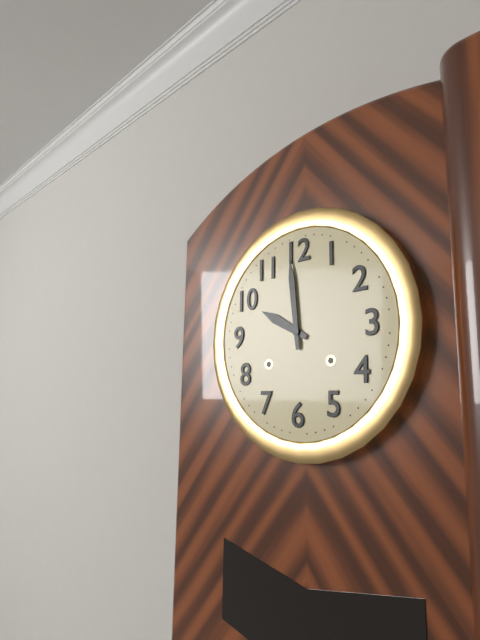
9,59
